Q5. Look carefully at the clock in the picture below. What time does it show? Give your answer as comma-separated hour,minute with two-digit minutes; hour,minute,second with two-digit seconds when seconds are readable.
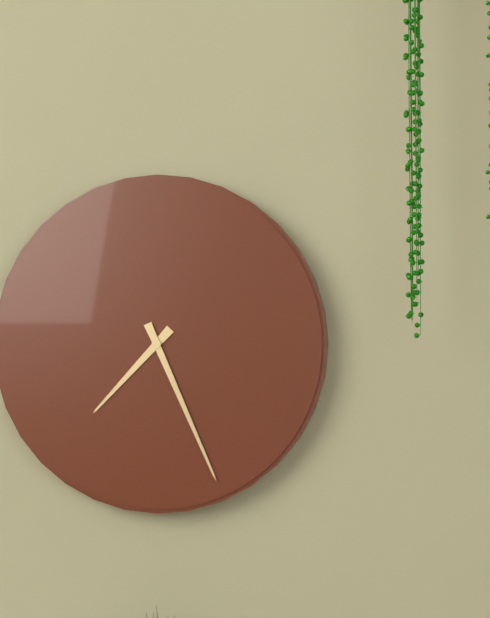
7,26
